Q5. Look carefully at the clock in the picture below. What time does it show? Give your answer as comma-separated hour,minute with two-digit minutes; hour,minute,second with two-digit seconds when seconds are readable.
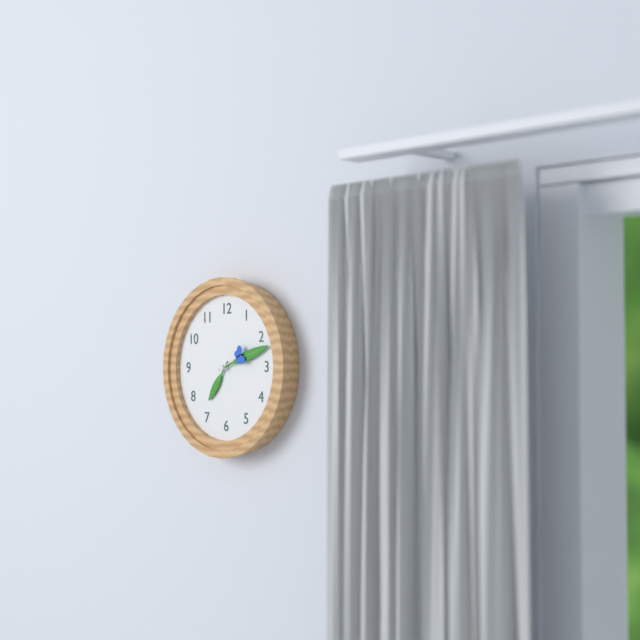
7,12
